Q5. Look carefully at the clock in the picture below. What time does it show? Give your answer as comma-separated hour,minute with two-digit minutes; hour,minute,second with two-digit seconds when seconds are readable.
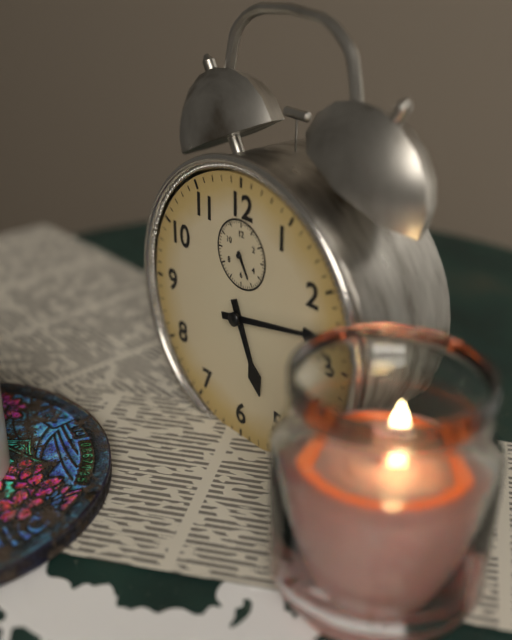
5,13
